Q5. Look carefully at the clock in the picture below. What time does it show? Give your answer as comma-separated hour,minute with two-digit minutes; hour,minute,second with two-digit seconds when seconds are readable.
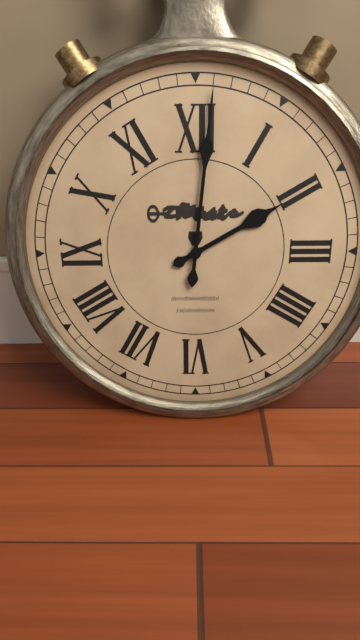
2,01
